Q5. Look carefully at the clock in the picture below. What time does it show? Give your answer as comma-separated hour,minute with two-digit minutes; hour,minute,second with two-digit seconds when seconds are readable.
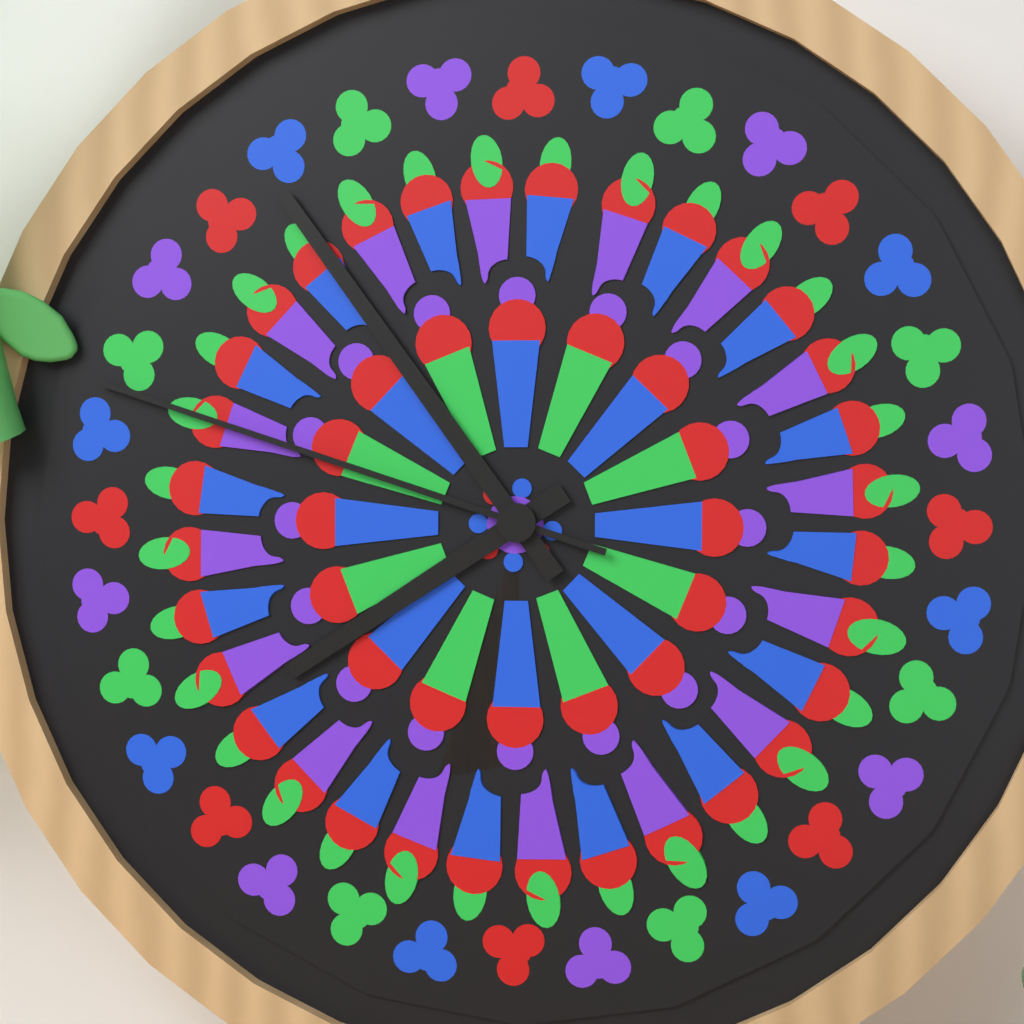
7,54,48
